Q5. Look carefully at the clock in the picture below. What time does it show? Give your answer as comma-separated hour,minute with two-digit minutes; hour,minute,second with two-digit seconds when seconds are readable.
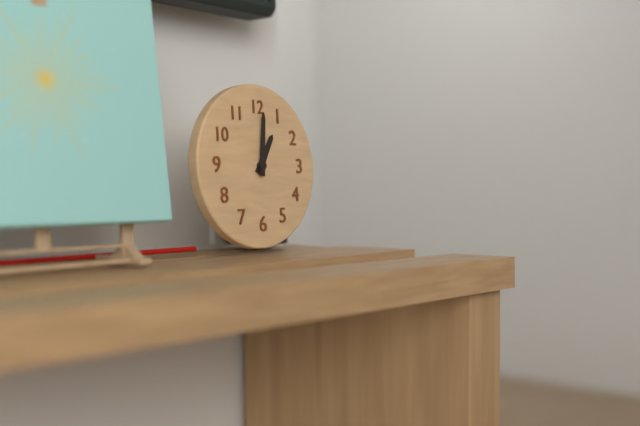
1,01
